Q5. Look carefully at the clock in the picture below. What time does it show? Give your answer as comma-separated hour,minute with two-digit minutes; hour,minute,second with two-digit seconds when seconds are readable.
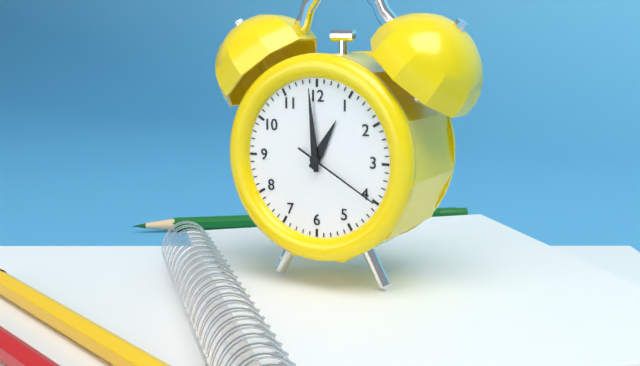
12,59,20
